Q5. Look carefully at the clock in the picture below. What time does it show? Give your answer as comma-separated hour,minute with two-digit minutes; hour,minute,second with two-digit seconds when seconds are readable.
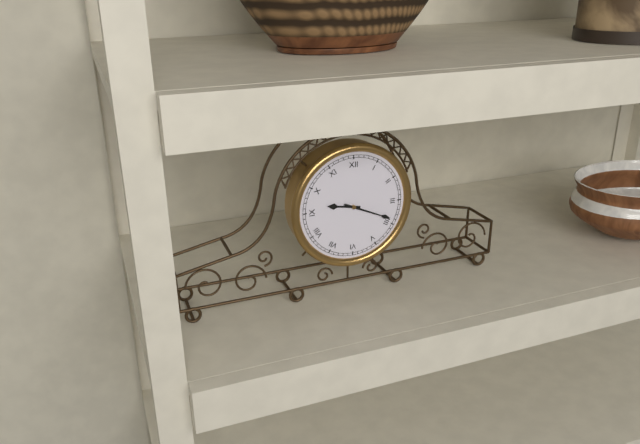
9,19
